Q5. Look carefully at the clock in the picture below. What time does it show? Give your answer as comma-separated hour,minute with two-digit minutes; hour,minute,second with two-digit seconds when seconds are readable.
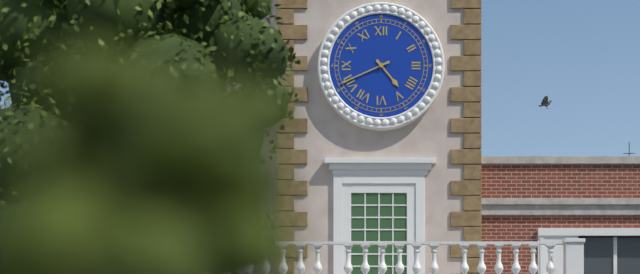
4,41
